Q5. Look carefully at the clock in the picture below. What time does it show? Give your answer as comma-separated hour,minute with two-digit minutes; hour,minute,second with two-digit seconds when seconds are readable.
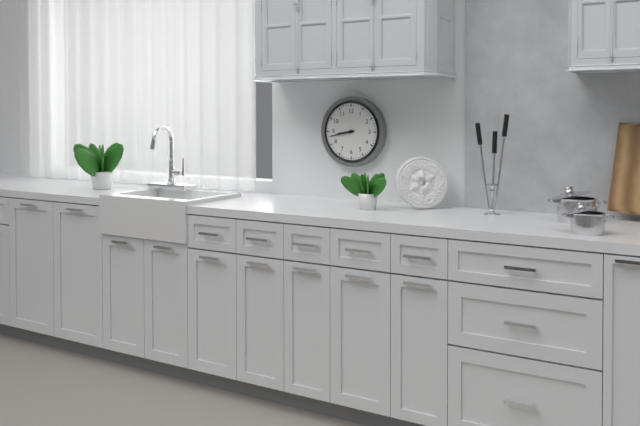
8,43
